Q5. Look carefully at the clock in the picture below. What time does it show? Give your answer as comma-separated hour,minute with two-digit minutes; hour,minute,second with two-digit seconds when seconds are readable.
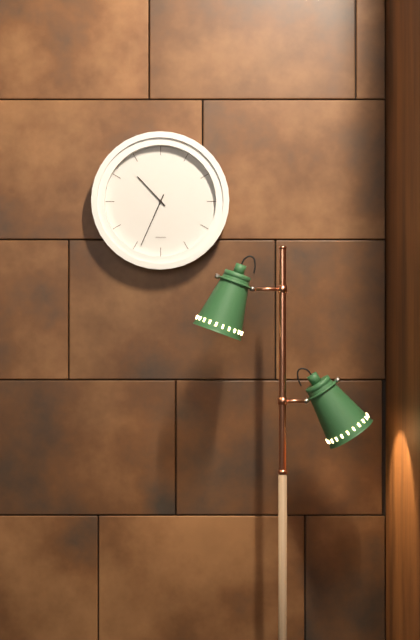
10,34
